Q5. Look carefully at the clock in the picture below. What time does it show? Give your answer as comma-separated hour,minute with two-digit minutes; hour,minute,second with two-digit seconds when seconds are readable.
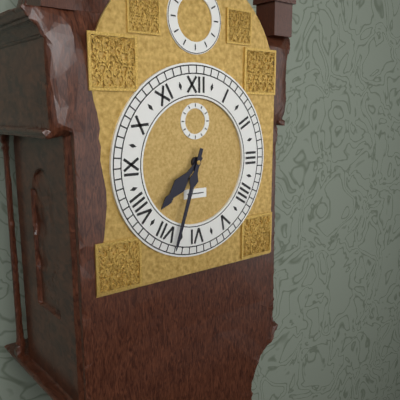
7,33
